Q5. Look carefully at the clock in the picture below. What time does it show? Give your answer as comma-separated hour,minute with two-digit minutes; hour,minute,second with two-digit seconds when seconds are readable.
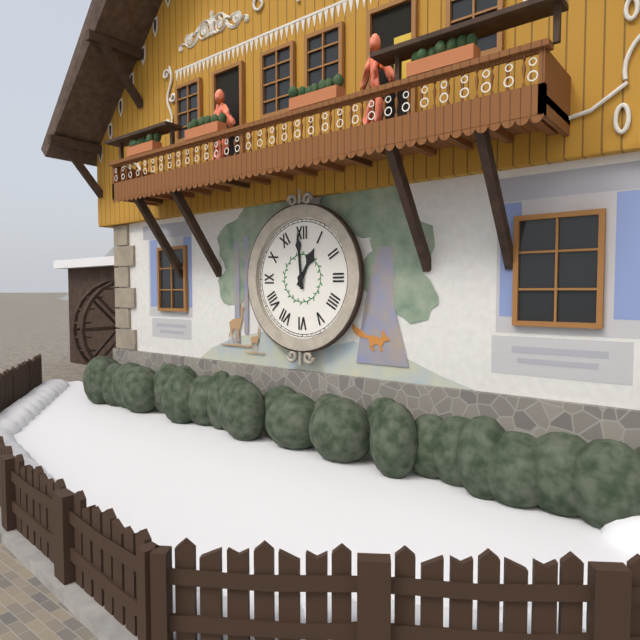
12,59
